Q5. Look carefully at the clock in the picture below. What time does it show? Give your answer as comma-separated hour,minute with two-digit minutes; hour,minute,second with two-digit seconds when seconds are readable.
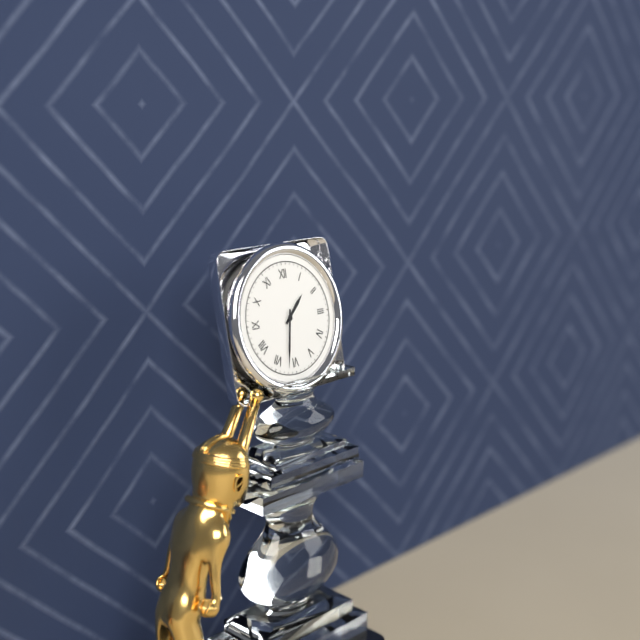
1,32
